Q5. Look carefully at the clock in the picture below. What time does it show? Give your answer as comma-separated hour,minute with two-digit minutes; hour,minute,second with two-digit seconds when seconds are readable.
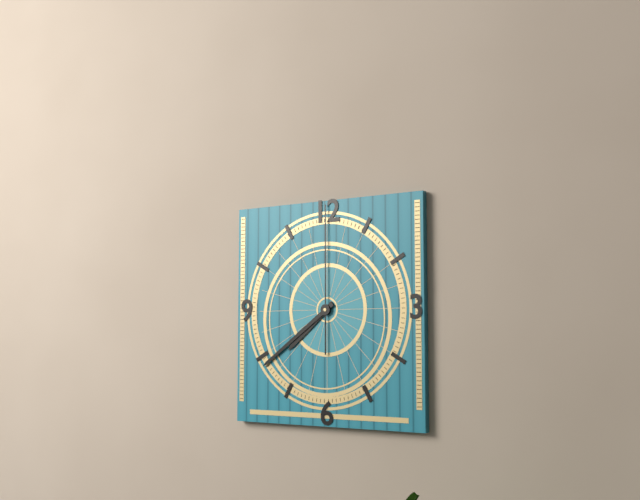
7,39,00
